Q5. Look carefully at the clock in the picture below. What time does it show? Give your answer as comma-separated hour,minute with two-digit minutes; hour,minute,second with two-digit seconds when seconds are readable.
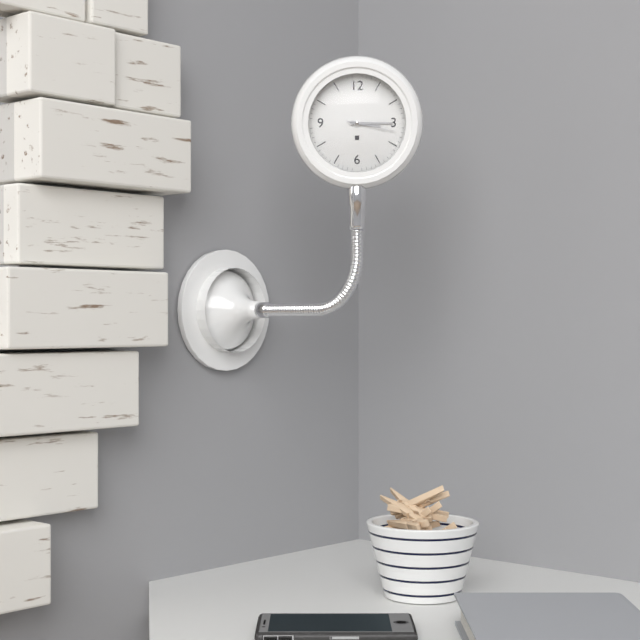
3,15
